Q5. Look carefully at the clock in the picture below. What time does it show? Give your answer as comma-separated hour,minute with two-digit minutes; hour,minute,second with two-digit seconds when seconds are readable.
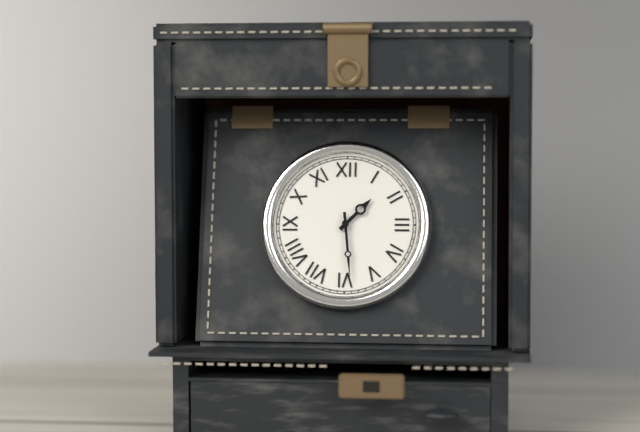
1,29
